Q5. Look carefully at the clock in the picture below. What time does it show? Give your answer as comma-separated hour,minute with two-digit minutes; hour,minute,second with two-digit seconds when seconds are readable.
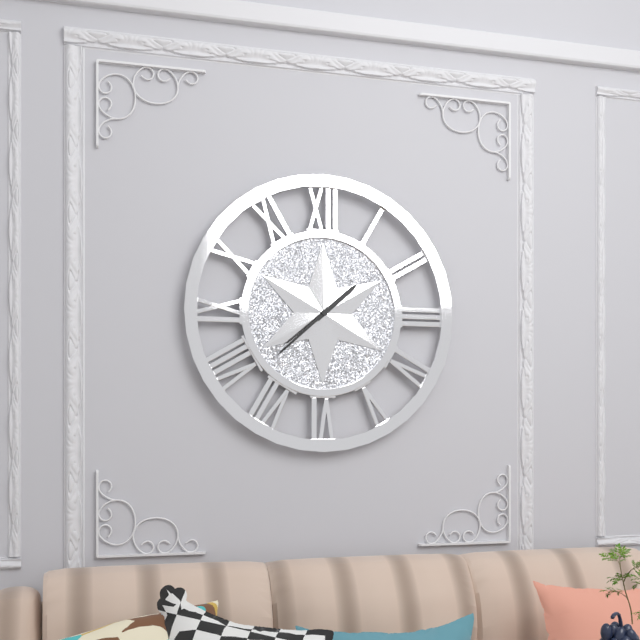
1,38
